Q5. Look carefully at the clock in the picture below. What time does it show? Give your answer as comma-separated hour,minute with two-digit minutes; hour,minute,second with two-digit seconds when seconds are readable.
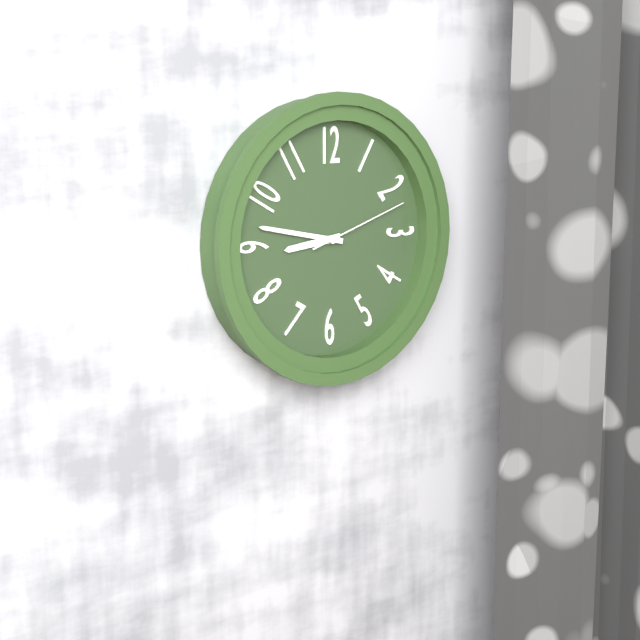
8,47,12
